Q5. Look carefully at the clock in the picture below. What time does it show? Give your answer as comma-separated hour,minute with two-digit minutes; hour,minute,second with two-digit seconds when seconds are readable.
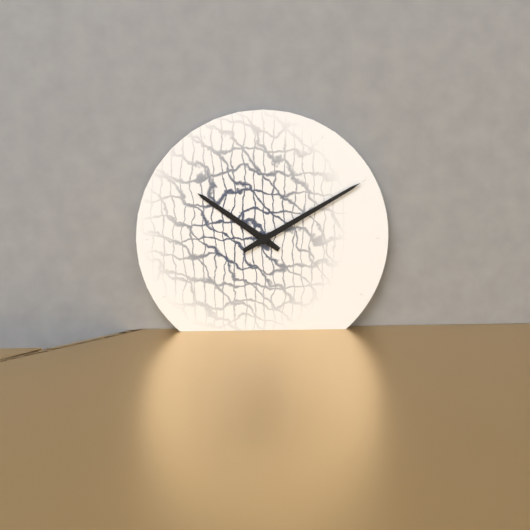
10,10
